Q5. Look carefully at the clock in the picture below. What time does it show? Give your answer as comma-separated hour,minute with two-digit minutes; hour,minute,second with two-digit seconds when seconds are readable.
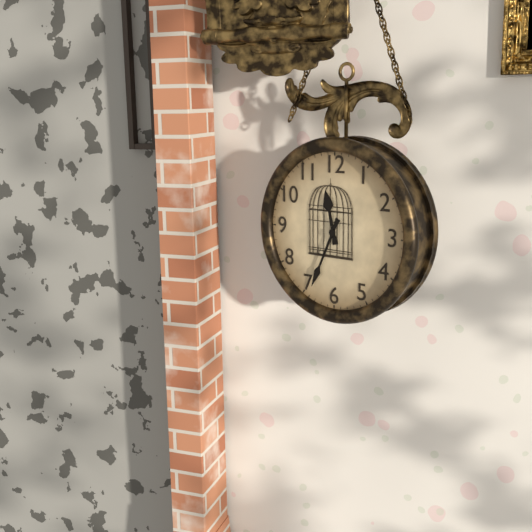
11,34
